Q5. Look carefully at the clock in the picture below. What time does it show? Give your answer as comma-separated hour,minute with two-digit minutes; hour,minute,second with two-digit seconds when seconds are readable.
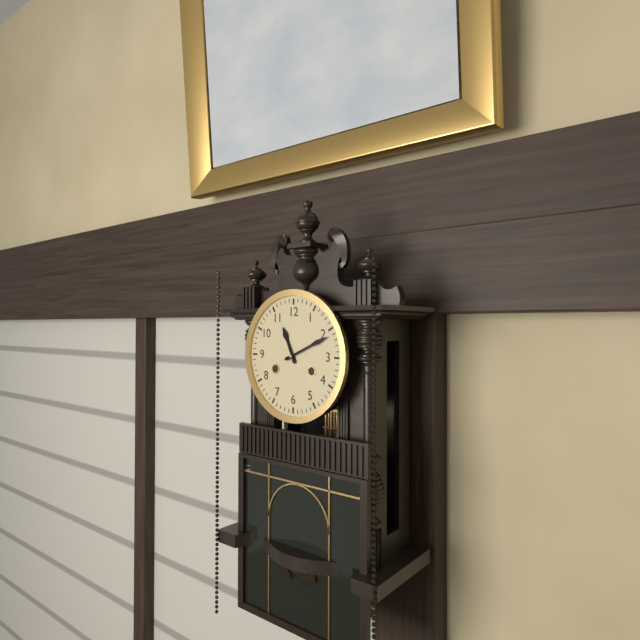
11,11
